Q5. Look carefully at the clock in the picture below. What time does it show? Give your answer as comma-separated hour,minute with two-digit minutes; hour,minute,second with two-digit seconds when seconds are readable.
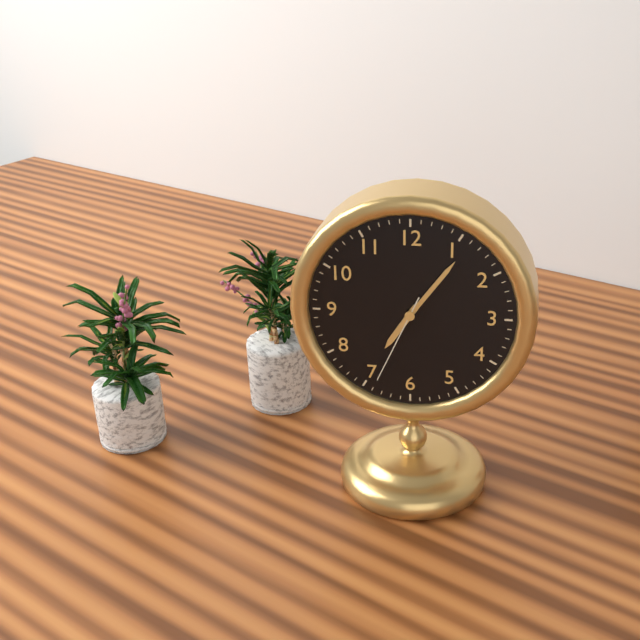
7,06,34
